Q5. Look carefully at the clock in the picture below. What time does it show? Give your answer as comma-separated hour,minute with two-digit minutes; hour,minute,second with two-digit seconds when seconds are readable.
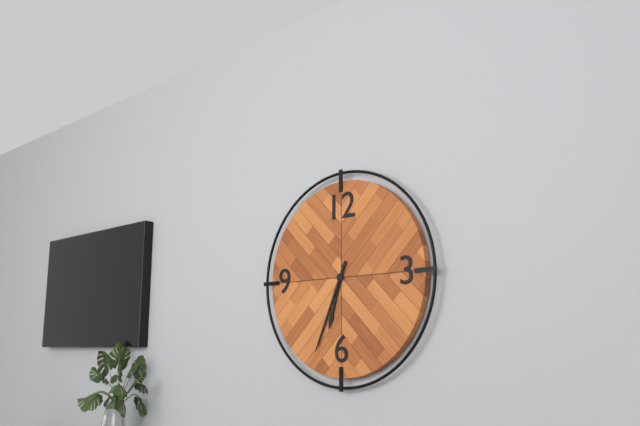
6,34
